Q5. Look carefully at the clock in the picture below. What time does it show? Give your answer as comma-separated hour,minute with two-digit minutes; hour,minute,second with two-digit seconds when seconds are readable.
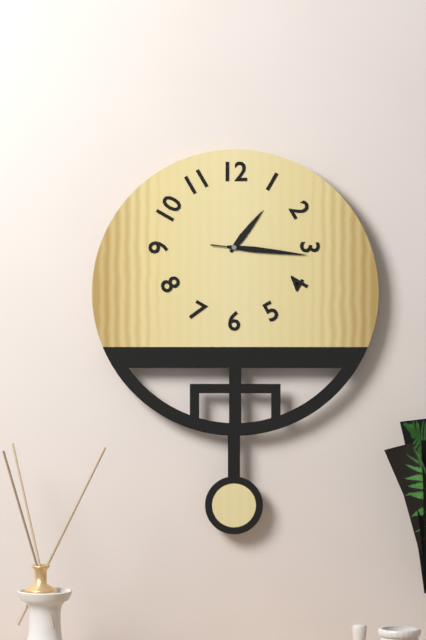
1,16,16
